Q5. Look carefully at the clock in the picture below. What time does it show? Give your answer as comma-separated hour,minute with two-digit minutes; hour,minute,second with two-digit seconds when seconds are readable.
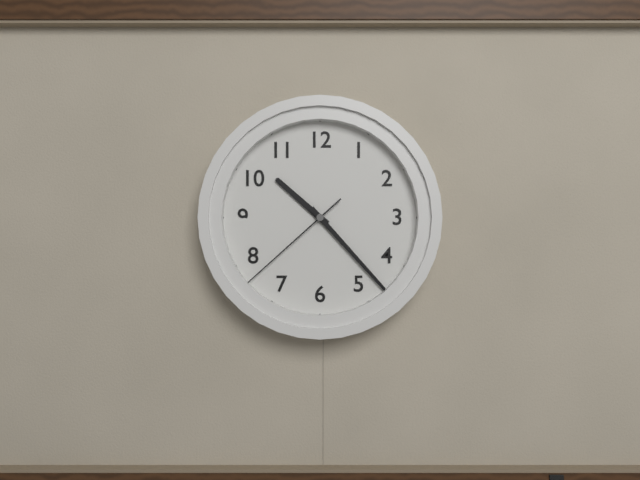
10,23,38
